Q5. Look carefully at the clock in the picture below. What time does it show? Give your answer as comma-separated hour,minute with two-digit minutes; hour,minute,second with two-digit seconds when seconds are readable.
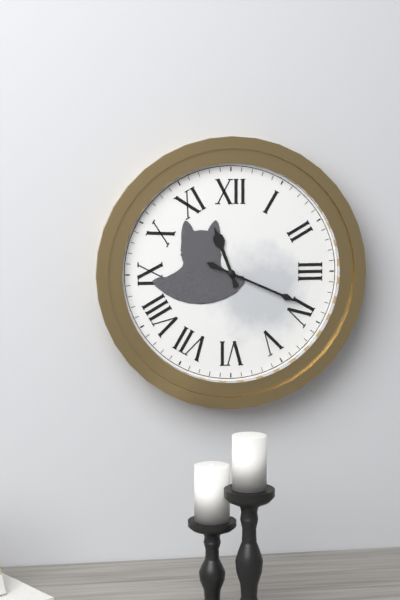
11,19
